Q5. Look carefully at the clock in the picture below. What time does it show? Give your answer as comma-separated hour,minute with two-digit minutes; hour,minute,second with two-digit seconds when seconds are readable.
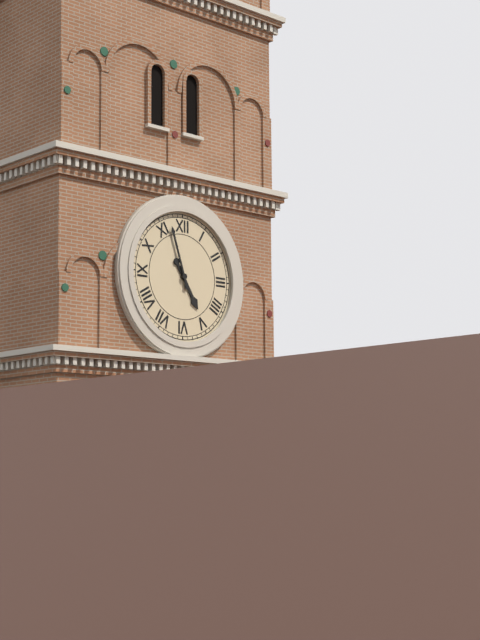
4,57
